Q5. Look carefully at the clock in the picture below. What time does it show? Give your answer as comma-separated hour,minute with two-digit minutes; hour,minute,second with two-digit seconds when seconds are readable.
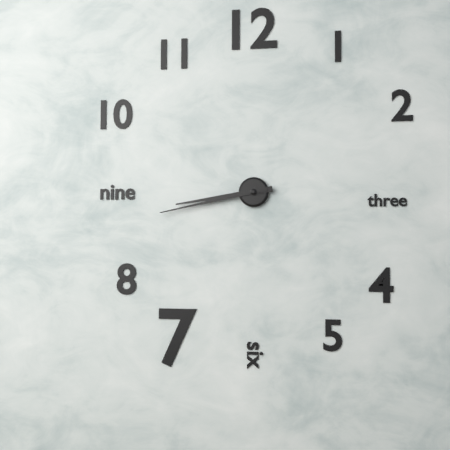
8,43
